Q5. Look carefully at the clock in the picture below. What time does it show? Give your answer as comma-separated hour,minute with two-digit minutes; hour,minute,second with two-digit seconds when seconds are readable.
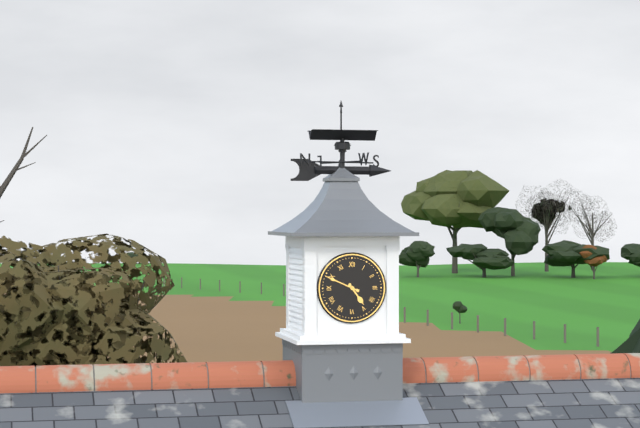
4,49
